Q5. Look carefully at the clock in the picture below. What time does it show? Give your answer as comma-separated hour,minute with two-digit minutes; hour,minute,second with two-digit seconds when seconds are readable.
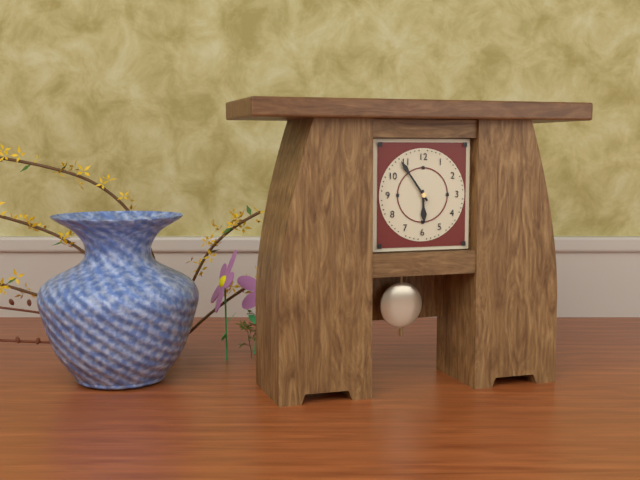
5,54
